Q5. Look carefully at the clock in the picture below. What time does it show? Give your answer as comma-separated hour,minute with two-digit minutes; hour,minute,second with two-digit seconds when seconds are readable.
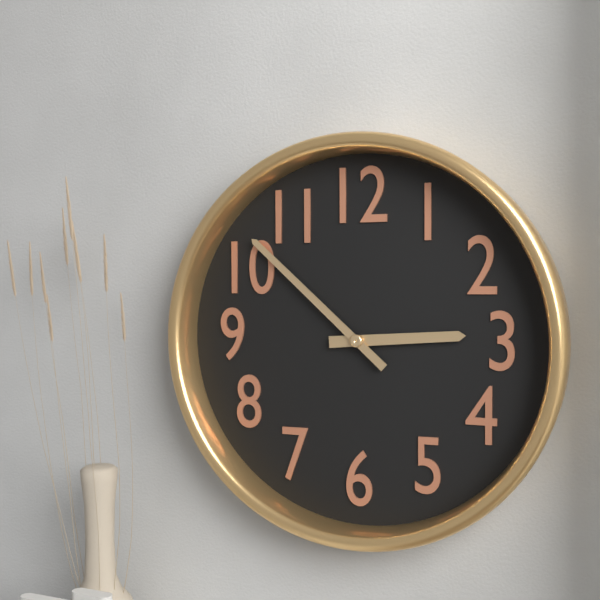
2,52
